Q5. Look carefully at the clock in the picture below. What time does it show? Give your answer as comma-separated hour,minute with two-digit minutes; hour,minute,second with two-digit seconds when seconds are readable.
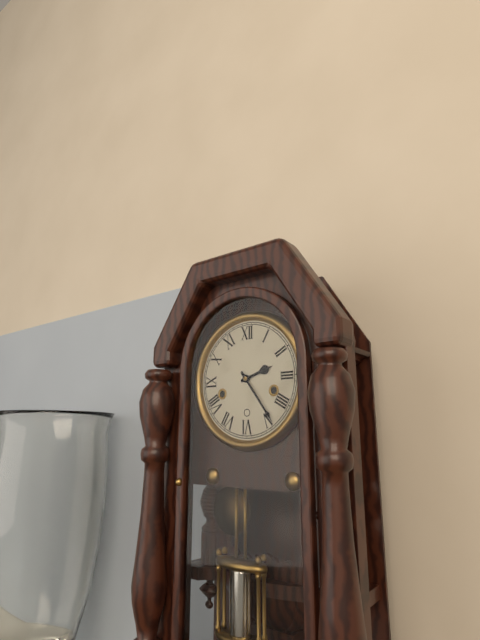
2,24
